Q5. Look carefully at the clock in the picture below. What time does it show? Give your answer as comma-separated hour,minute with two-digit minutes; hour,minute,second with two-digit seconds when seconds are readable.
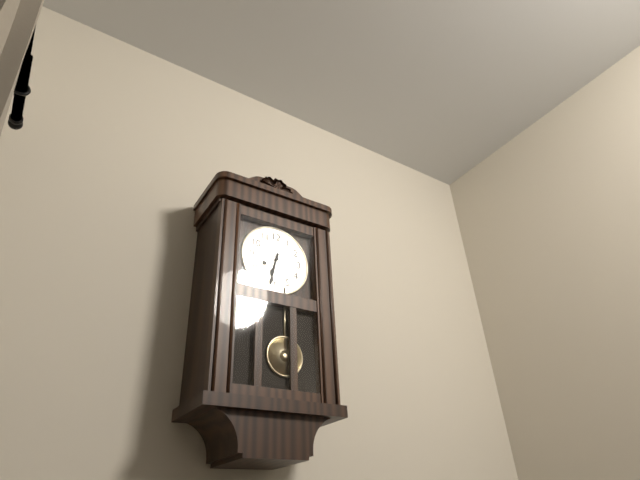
6,32
